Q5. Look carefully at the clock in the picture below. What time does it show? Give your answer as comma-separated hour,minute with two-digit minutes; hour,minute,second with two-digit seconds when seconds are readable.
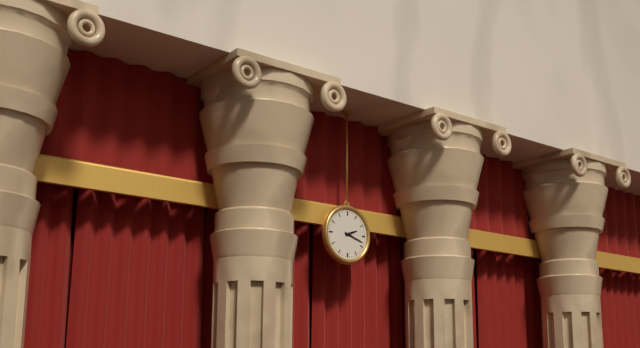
2,18
